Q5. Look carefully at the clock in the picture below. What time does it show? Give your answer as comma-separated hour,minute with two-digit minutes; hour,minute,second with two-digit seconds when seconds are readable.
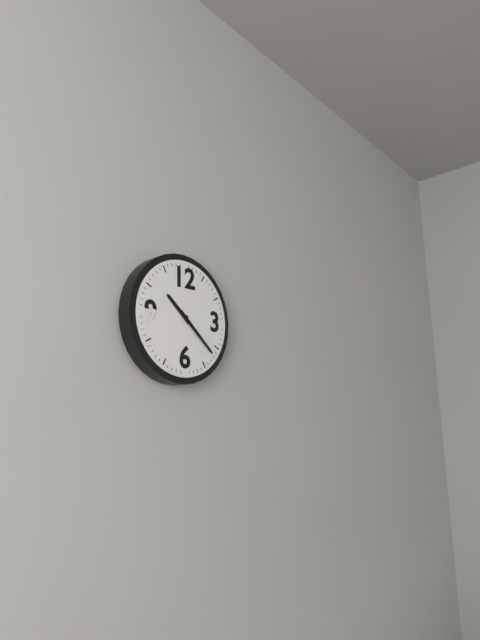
10,22
